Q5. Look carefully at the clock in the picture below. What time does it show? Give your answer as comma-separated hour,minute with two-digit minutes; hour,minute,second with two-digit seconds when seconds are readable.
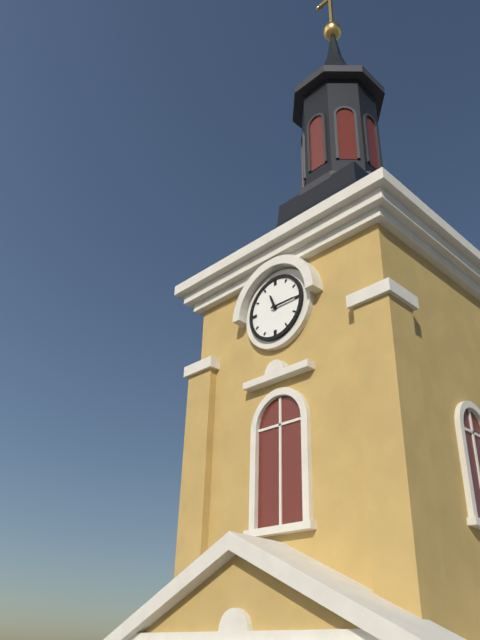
11,15
